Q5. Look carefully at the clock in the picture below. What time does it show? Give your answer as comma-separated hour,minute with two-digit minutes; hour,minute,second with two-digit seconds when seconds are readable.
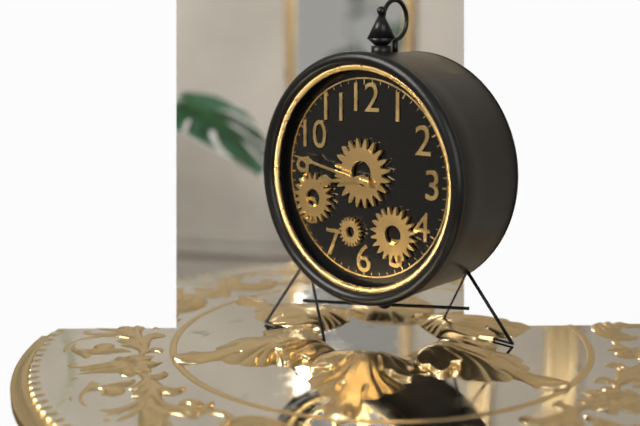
8,47
